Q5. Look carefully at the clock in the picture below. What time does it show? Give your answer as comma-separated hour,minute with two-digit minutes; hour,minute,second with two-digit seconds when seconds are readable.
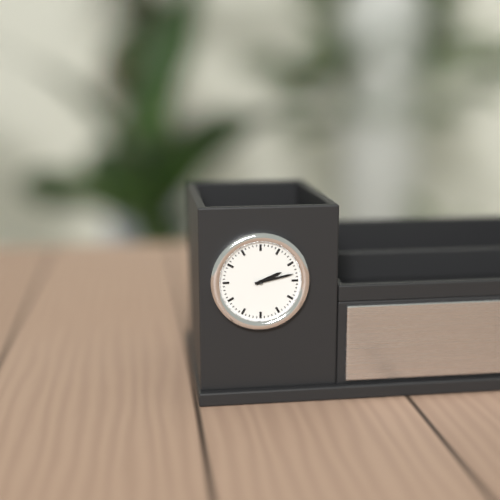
2,13
